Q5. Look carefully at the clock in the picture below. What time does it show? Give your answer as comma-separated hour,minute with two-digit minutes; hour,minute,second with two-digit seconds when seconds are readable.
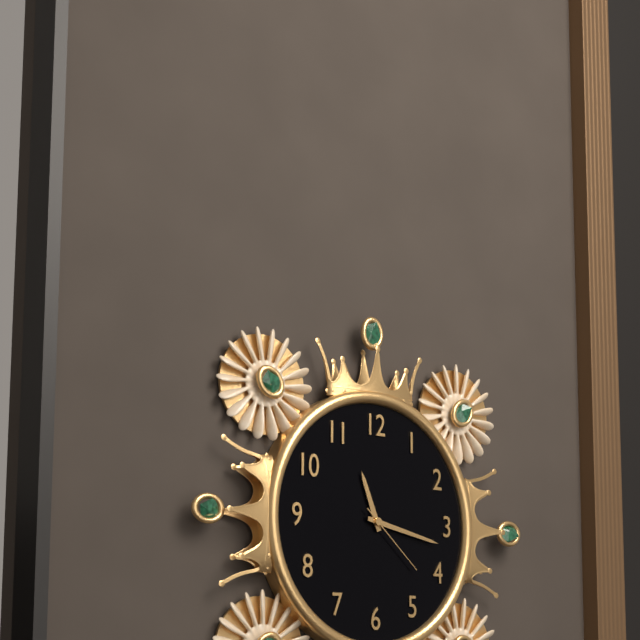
11,17,22
